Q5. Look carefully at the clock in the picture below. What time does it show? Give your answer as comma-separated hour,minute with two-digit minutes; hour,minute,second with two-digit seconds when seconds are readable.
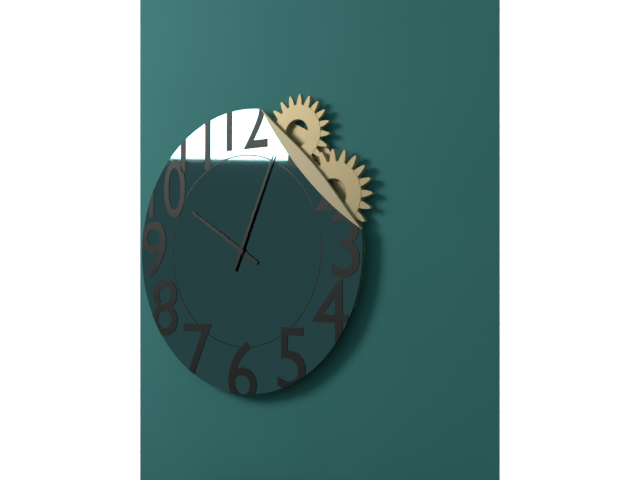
10,04
